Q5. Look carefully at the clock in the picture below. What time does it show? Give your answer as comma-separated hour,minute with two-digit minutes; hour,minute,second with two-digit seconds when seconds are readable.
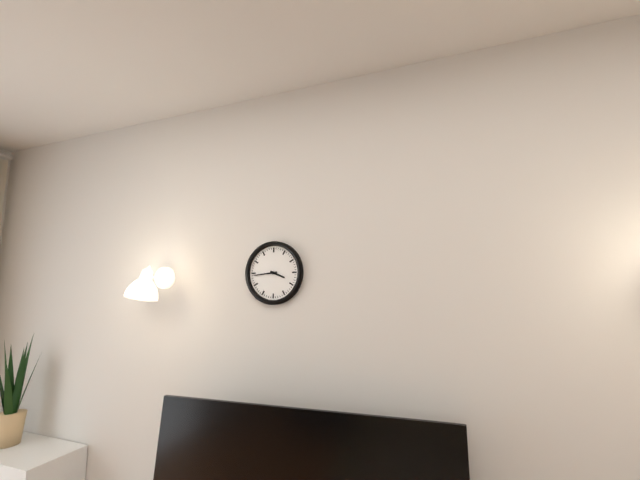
3,44
